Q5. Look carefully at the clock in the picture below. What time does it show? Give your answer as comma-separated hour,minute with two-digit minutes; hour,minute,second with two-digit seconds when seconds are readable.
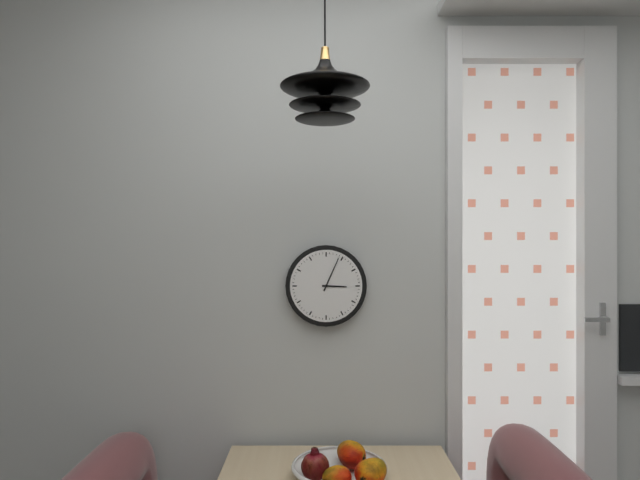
3,04
